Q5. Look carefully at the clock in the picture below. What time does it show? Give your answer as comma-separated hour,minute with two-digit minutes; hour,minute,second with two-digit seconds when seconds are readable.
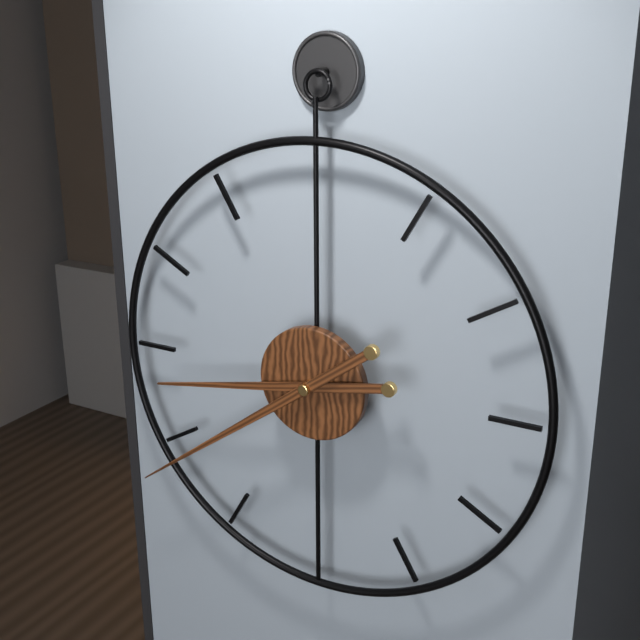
8,39
